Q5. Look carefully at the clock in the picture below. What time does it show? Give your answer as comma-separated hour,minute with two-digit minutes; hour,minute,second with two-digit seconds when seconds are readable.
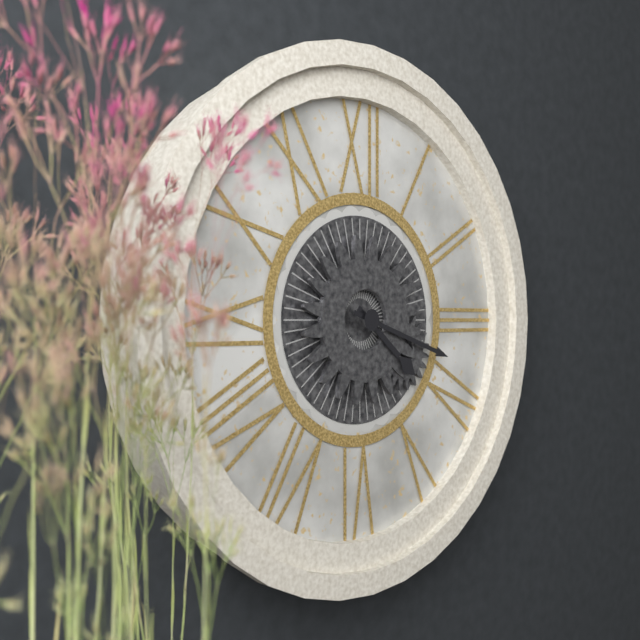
4,18
